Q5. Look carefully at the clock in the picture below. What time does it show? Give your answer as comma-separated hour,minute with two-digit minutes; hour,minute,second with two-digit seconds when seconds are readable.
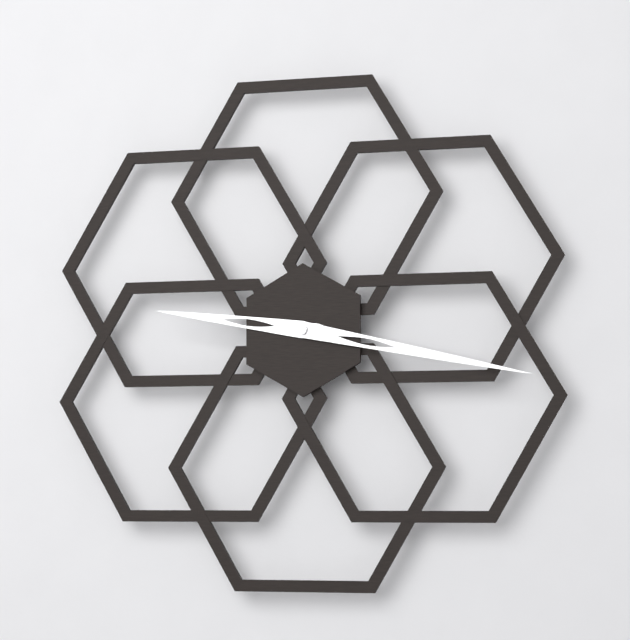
9,17
